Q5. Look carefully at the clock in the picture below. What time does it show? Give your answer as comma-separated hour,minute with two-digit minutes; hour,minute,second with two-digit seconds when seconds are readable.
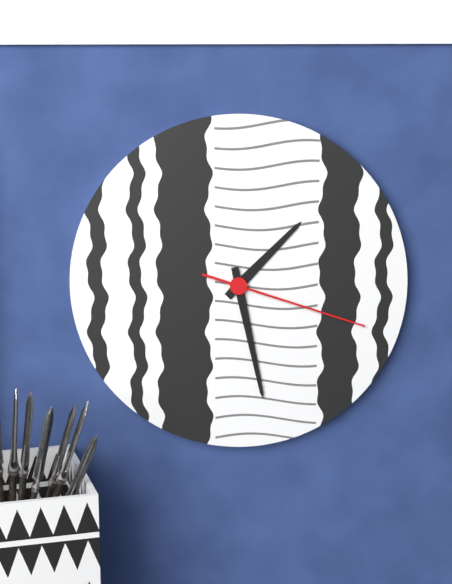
1,28,18
